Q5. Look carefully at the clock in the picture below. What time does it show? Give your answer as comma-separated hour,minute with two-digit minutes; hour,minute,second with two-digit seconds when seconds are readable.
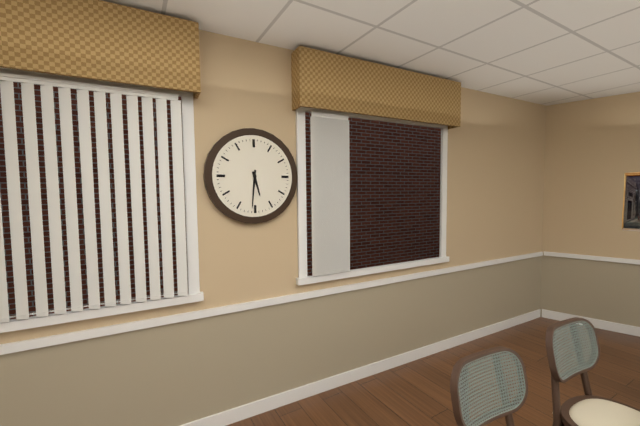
5,31
